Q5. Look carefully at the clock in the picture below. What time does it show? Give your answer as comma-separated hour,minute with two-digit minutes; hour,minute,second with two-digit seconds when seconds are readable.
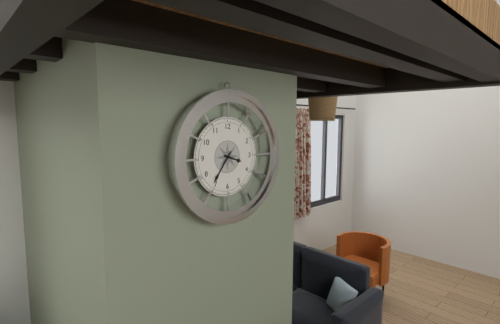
3,36
